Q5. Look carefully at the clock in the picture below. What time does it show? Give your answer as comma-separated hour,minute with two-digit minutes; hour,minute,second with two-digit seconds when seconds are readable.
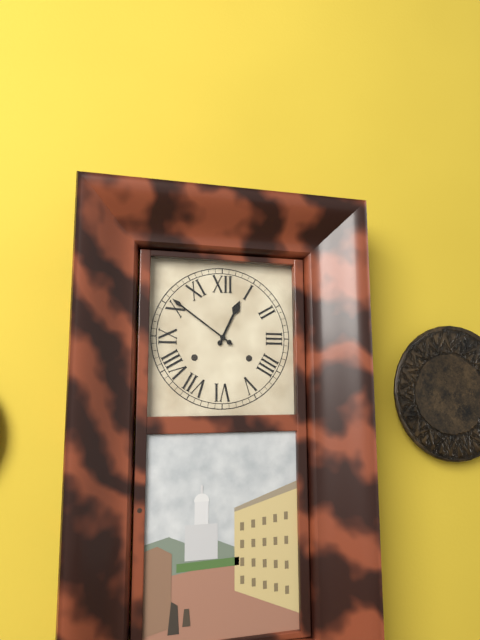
12,51
